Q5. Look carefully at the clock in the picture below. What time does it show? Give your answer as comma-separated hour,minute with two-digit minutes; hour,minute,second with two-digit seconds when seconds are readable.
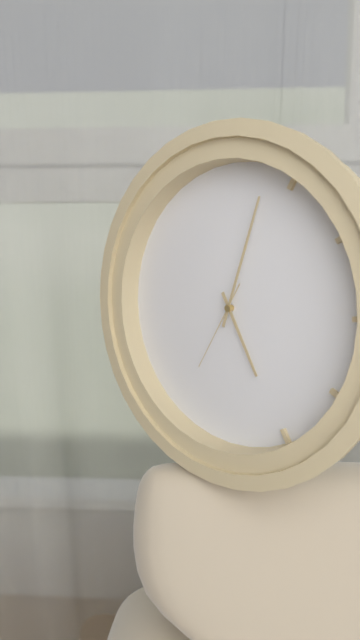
5,03,35
